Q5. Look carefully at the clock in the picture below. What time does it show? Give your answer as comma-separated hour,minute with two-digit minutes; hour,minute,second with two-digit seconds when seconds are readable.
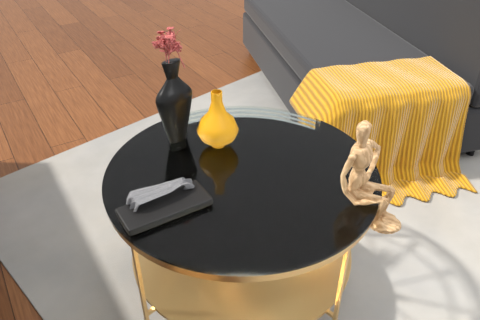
5,01
